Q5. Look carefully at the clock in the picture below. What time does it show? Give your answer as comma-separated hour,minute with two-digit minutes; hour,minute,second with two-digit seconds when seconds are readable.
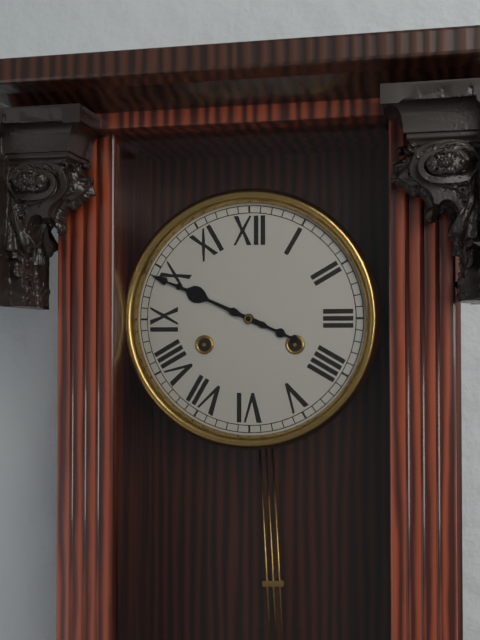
9,49
